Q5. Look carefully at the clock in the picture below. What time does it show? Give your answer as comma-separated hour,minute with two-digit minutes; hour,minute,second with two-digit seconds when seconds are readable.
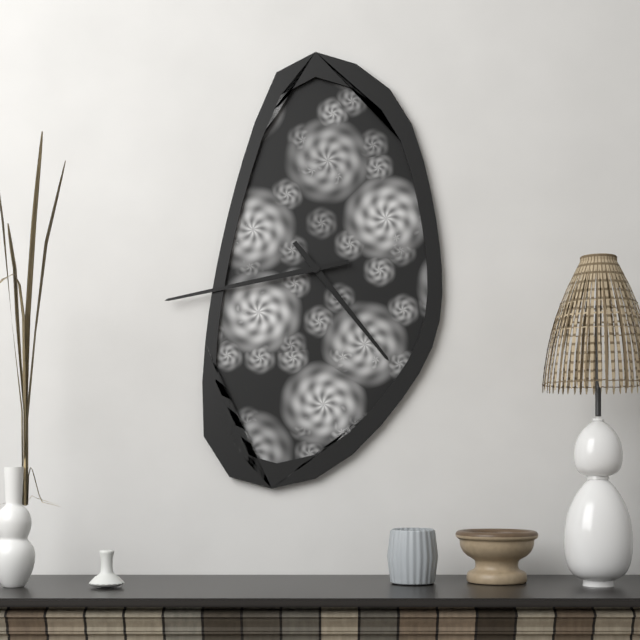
4,43
